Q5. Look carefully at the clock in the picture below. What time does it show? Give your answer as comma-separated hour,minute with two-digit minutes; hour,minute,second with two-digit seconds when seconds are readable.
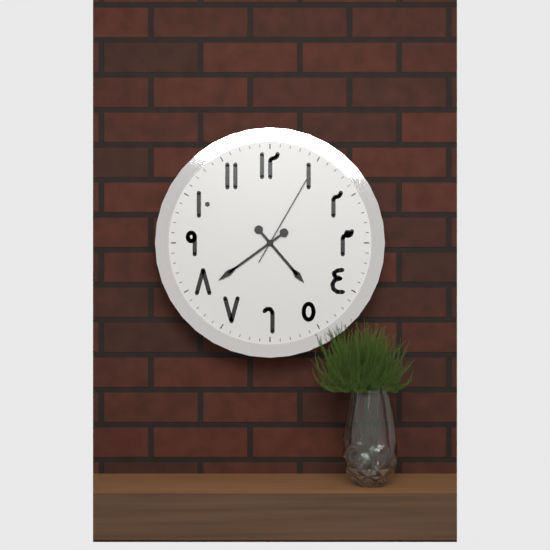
4,39,05
